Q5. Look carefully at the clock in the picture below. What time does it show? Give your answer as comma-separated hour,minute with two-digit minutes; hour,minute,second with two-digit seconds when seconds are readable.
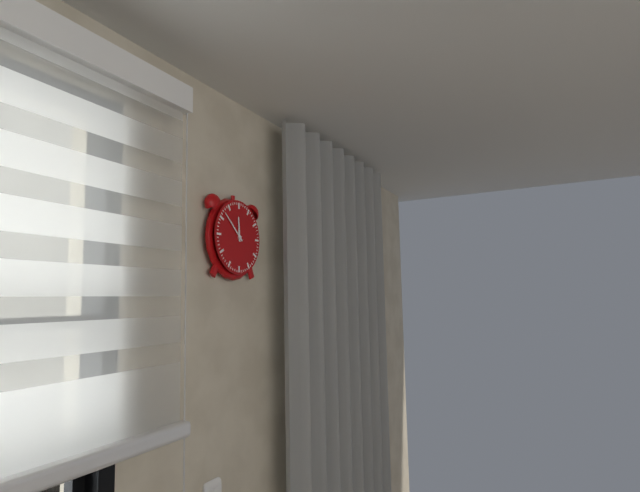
11,52
